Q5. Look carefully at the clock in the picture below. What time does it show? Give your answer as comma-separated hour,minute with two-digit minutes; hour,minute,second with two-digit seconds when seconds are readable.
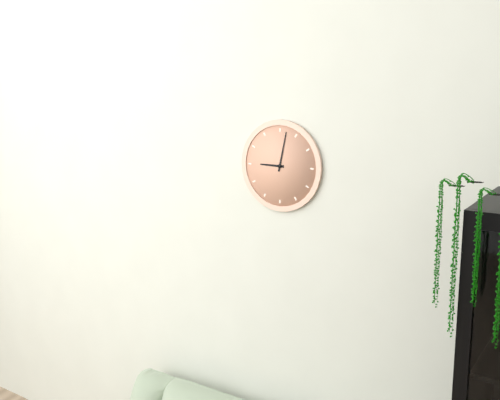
9,02
